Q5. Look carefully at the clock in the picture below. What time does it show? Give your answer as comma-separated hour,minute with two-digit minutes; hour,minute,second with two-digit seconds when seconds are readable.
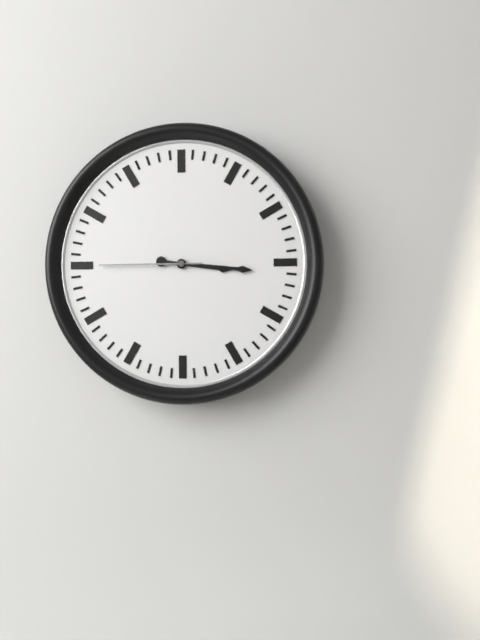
3,16,45
